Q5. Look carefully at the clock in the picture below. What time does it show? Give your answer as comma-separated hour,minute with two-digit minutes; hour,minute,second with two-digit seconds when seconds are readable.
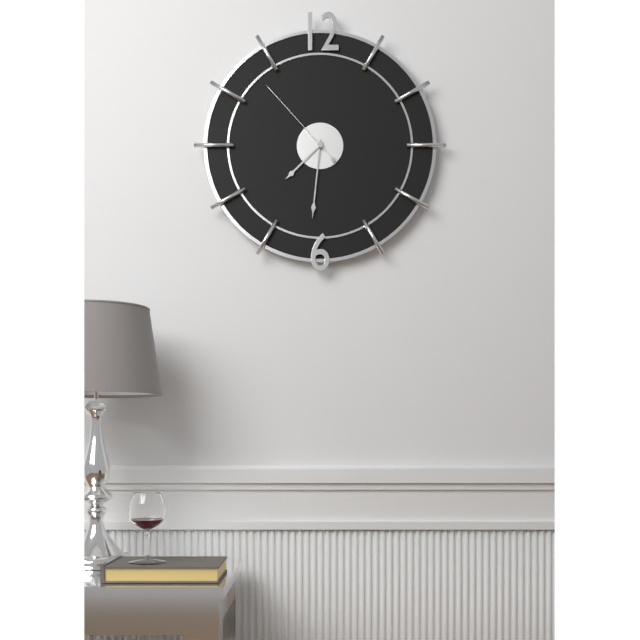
7,31,53
